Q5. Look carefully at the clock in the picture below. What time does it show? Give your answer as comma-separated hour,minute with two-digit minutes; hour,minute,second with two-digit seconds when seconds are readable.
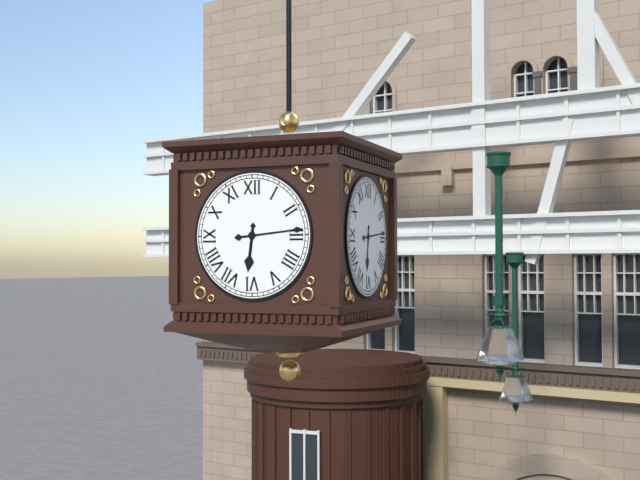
6,14
